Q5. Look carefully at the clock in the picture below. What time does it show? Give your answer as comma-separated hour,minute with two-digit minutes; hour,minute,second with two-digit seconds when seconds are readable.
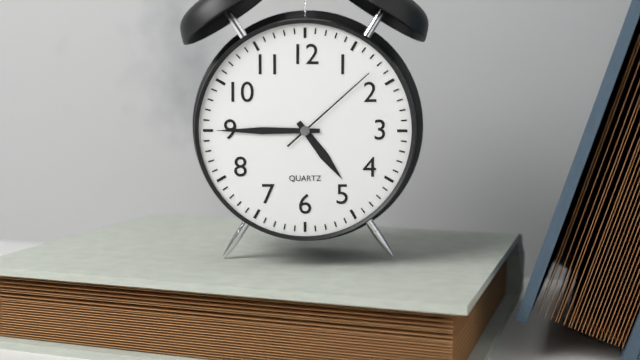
4,45,08
